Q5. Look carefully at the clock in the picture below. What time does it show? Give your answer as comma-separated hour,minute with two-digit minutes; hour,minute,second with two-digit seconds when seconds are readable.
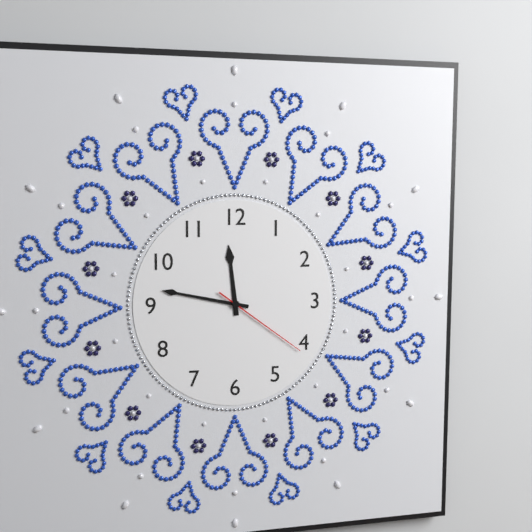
11,47,21
